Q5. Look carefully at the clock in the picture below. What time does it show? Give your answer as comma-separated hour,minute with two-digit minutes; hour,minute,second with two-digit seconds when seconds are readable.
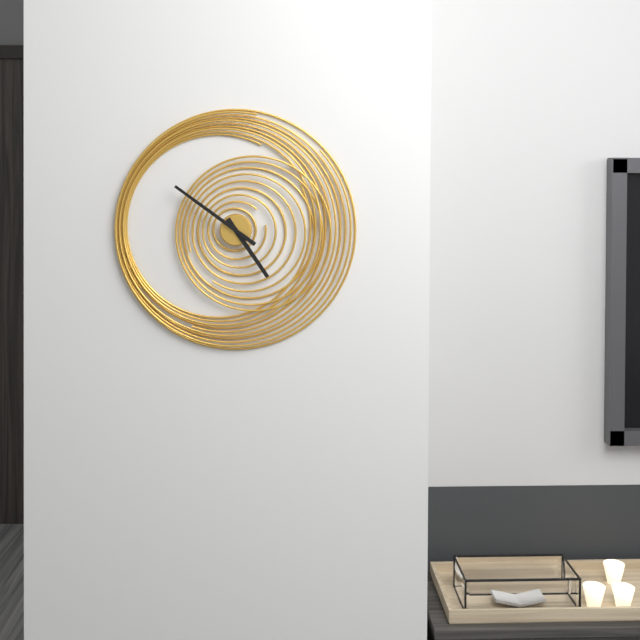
4,51
